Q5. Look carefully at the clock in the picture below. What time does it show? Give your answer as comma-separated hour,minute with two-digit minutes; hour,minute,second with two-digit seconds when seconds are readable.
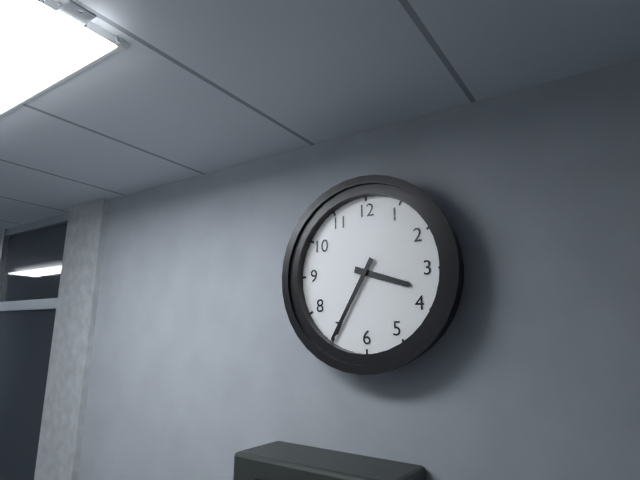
3,35
